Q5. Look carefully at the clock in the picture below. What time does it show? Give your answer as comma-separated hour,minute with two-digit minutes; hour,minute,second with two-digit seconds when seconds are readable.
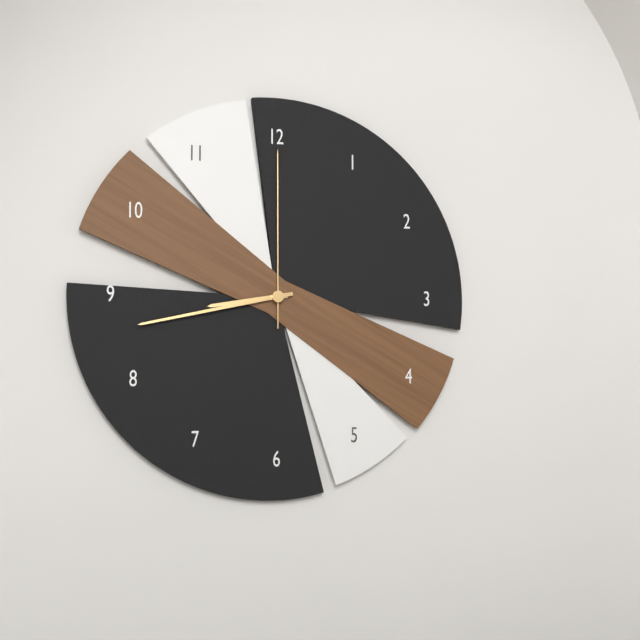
8,43,00
